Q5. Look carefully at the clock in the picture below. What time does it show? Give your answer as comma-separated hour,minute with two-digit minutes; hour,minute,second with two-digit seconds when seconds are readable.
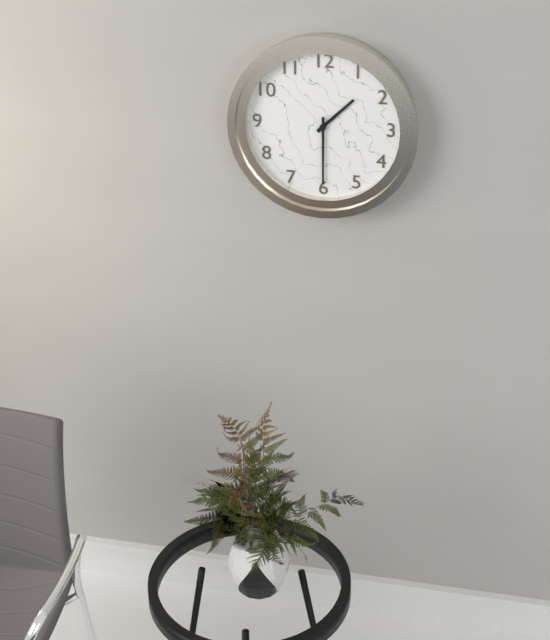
1,30
